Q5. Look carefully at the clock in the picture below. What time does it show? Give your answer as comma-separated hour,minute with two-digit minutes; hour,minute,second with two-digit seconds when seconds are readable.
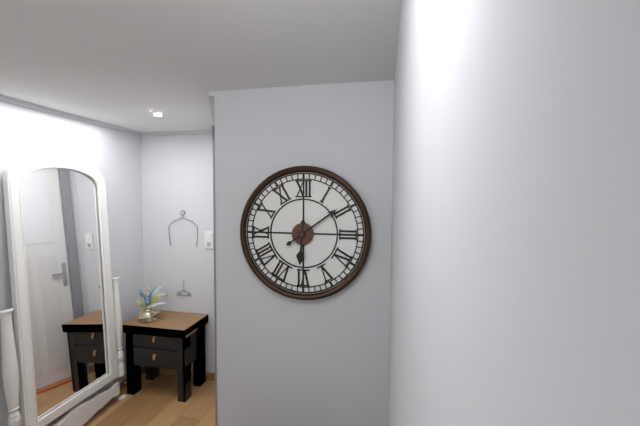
6,09
